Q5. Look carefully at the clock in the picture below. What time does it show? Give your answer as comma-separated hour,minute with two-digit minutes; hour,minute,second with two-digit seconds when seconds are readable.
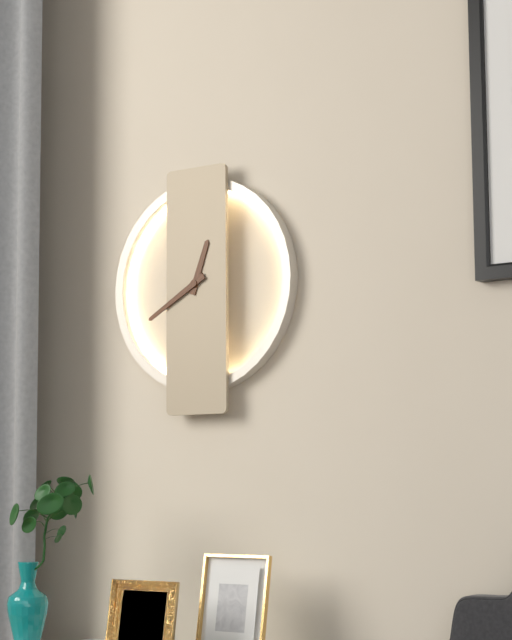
12,40
